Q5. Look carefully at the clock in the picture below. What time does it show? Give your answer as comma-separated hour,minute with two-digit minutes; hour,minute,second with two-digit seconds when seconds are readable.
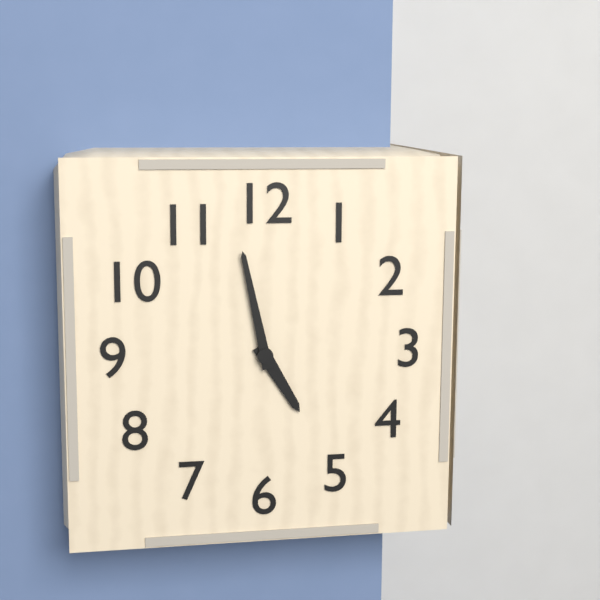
4,58
